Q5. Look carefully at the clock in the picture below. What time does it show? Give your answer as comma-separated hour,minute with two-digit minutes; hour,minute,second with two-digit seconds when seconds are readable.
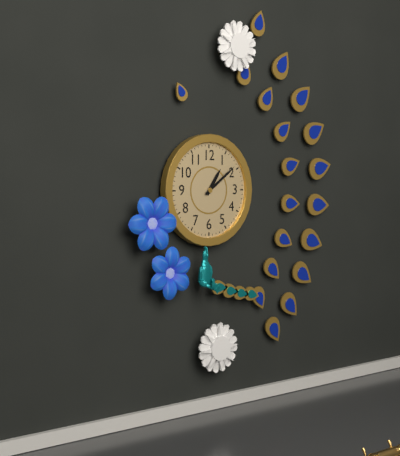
1,09
